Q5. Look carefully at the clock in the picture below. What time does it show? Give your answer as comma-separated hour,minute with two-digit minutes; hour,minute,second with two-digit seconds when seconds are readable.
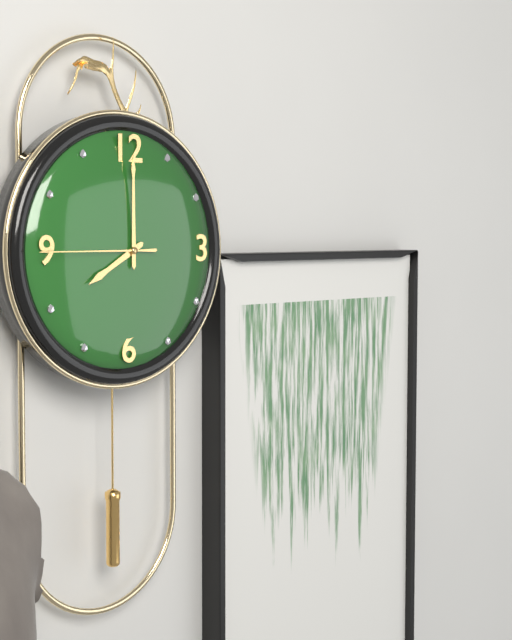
8,00,45
